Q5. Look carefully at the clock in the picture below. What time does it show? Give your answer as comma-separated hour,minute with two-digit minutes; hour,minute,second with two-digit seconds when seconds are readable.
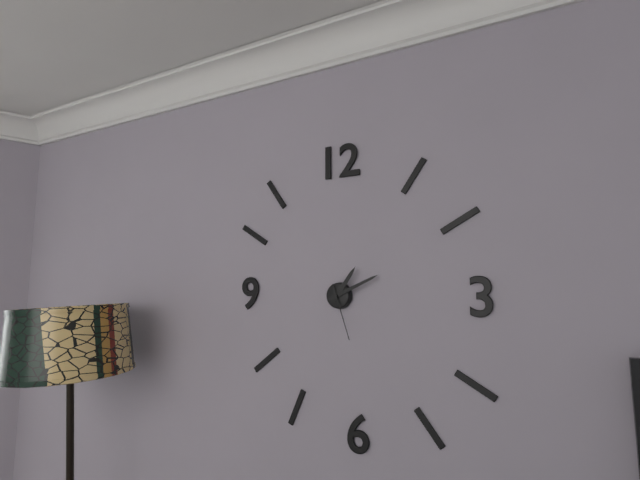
1,11,27
